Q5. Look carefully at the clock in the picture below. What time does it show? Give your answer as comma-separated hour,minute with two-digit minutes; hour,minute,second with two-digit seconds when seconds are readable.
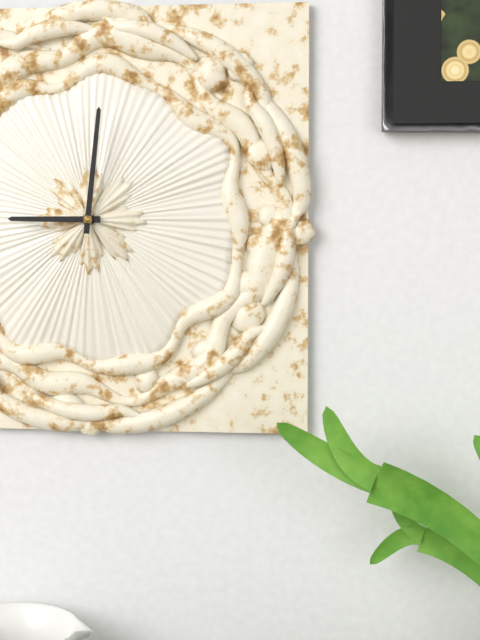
9,01
